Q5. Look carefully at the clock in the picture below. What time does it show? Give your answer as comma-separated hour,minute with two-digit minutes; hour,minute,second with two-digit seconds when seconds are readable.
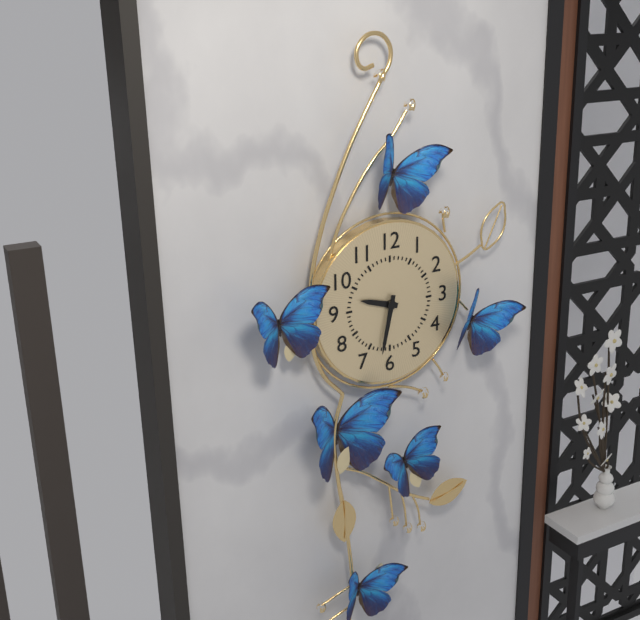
9,32
